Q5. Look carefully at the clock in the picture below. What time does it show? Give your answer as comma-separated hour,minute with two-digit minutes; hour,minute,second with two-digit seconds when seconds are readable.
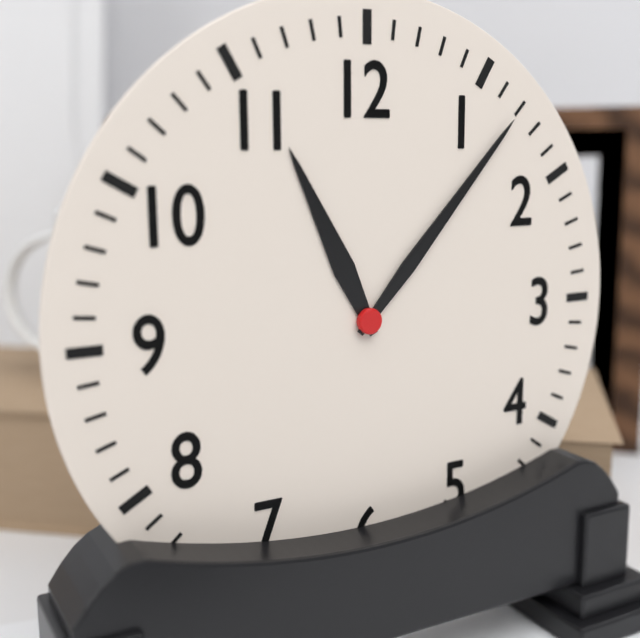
11,07
